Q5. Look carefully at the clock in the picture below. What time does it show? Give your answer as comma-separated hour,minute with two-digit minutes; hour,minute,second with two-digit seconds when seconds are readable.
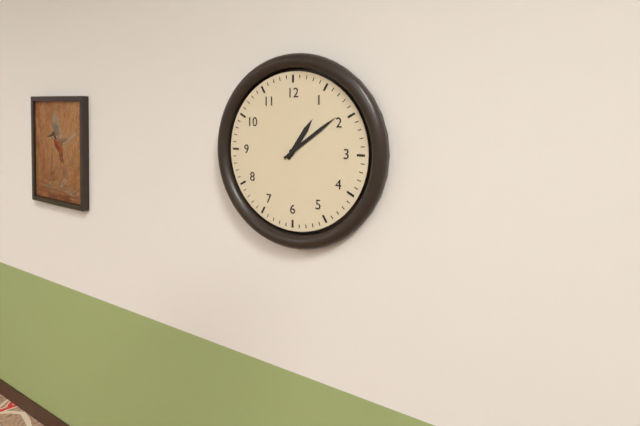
1,09
